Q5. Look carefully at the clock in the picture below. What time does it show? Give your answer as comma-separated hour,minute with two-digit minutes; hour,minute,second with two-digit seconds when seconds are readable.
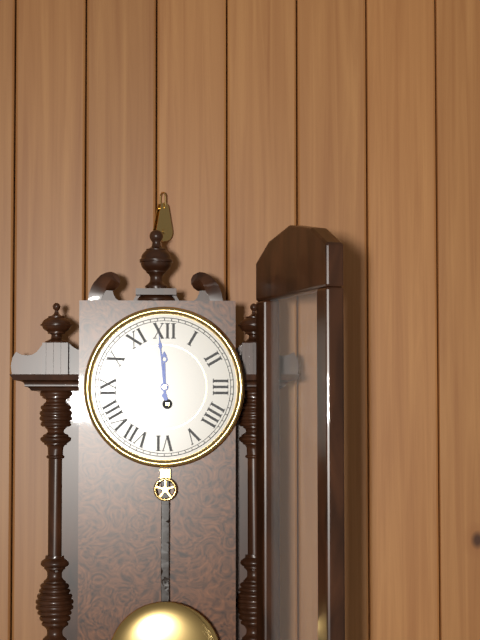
11,59
